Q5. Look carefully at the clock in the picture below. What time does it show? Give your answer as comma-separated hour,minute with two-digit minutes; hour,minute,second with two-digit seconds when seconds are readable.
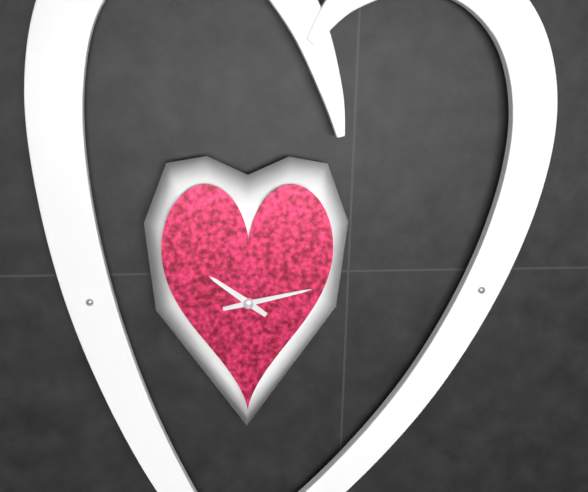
10,13
